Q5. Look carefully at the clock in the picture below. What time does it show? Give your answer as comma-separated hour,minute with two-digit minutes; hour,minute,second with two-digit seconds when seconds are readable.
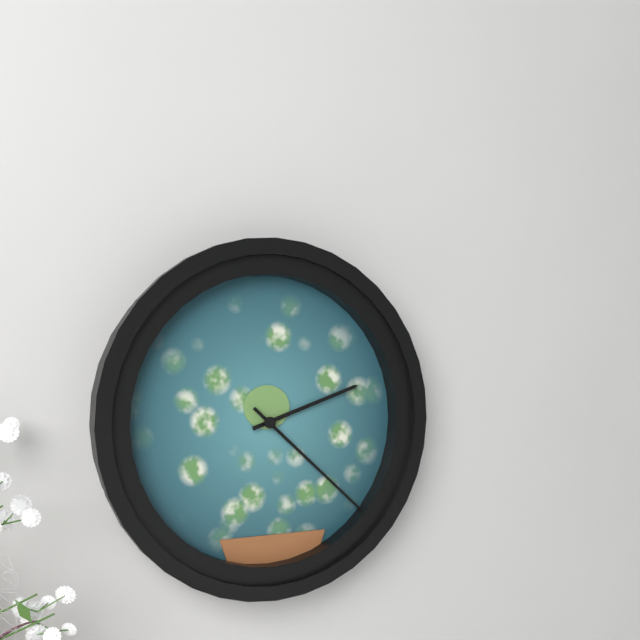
2,22
